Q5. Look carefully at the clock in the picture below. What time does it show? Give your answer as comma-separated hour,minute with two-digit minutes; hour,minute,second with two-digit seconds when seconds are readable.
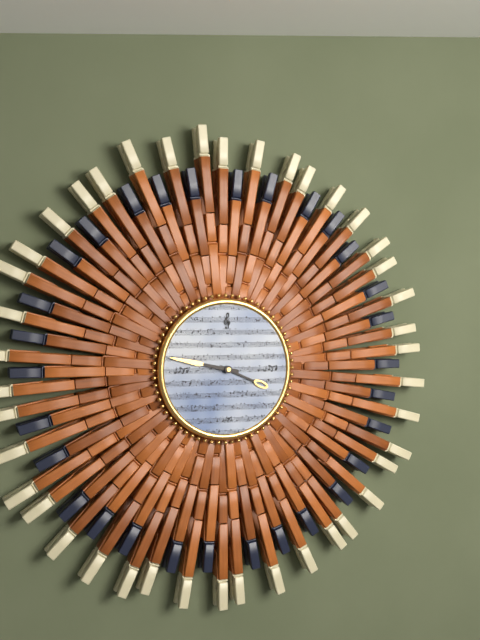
3,47
